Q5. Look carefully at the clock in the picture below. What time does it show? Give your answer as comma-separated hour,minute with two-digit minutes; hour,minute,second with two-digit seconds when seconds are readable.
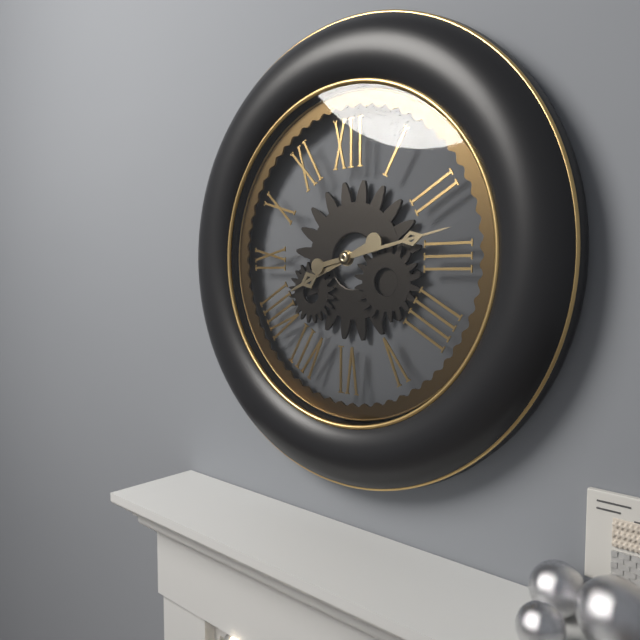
8,13
